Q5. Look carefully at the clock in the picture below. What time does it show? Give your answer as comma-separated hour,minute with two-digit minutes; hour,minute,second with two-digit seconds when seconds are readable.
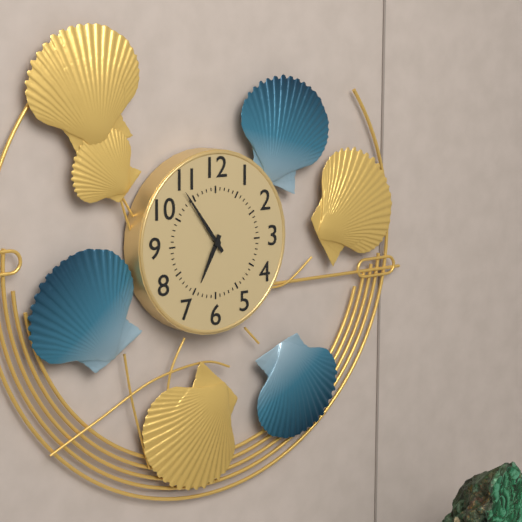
6,54
